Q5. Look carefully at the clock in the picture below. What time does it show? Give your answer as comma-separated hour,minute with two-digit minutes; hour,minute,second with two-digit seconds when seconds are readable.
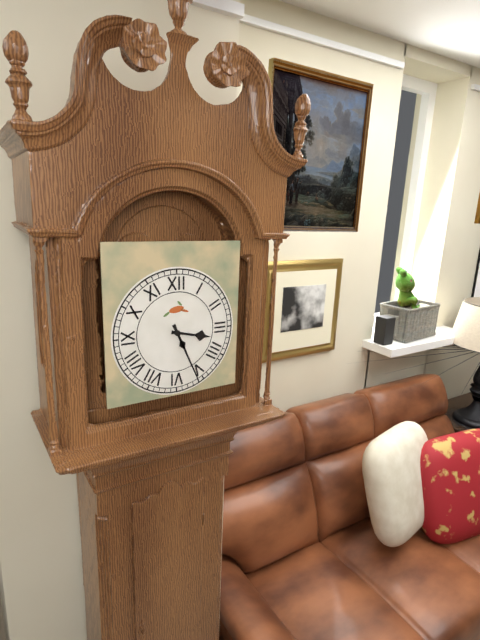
3,26
